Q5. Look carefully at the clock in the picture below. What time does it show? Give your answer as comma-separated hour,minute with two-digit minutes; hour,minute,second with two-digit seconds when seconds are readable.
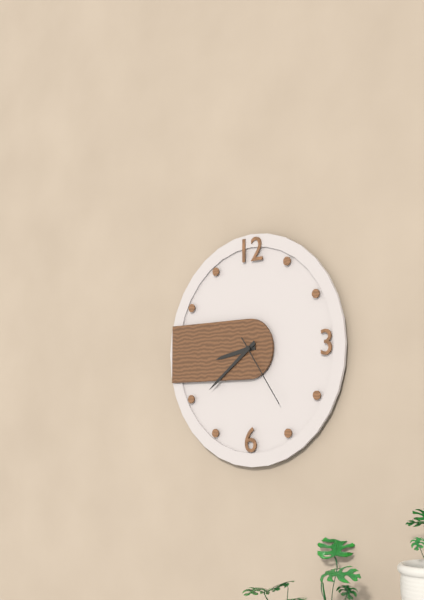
8,39,24
